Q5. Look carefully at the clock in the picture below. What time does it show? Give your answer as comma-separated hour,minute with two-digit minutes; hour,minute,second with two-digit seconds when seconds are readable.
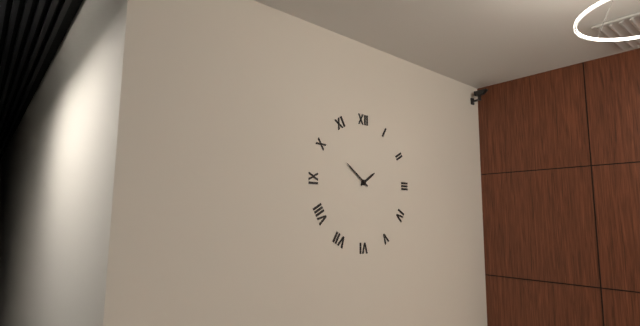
1,51
